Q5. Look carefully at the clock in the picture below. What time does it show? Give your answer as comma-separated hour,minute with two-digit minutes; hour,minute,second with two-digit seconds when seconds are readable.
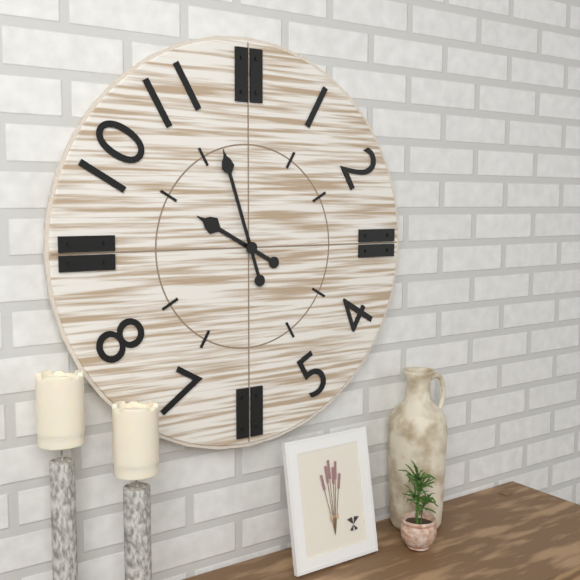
9,57
